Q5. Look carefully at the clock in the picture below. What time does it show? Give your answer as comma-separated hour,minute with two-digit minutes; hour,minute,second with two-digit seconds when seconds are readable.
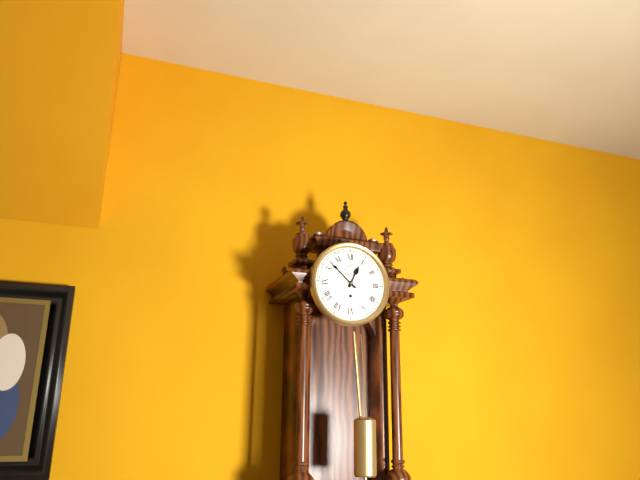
12,52
